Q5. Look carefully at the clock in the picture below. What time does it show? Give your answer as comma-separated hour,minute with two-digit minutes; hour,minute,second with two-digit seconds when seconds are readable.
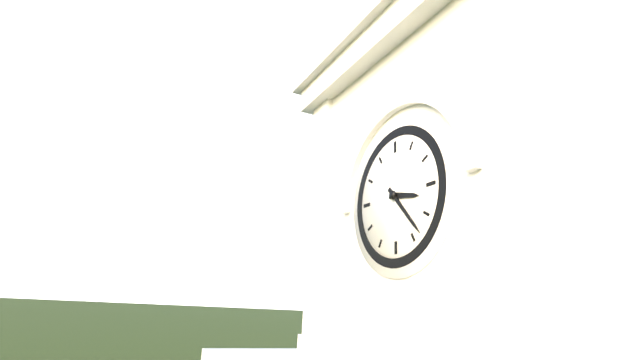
3,23
